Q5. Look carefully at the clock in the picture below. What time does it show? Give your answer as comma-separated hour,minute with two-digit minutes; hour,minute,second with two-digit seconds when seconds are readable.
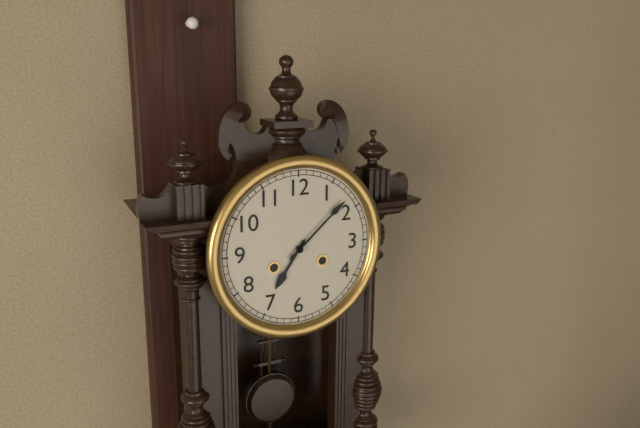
7,08
